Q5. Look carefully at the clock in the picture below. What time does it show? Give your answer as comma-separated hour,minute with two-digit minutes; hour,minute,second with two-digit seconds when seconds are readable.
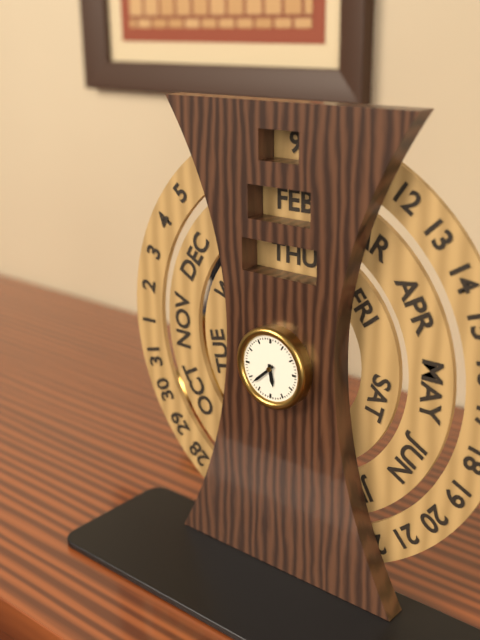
5,38
